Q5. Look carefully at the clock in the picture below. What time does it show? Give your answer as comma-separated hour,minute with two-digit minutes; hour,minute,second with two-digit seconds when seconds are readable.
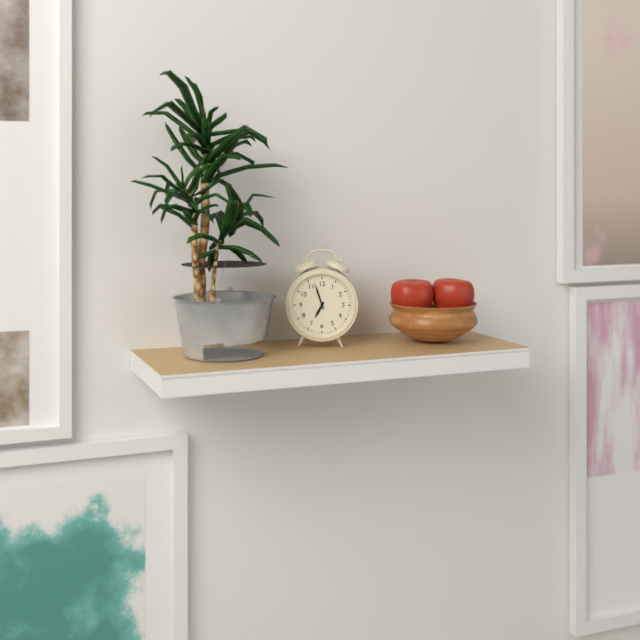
6,57
